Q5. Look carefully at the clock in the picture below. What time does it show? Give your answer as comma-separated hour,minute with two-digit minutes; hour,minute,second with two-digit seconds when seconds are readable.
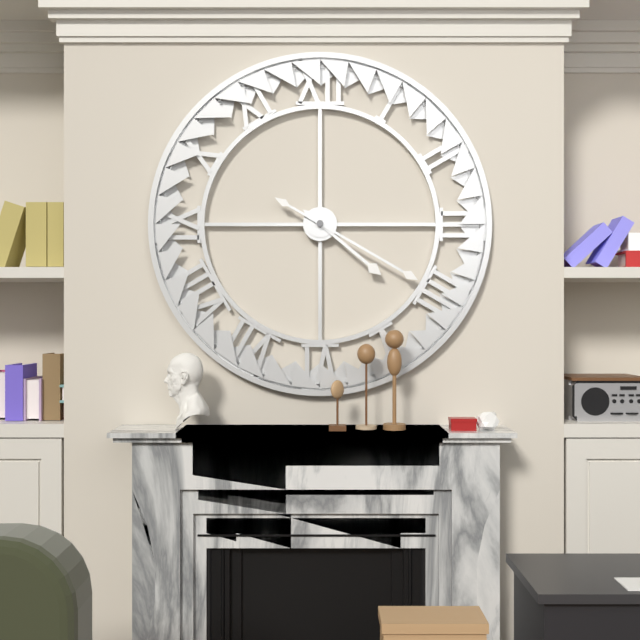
4,20
